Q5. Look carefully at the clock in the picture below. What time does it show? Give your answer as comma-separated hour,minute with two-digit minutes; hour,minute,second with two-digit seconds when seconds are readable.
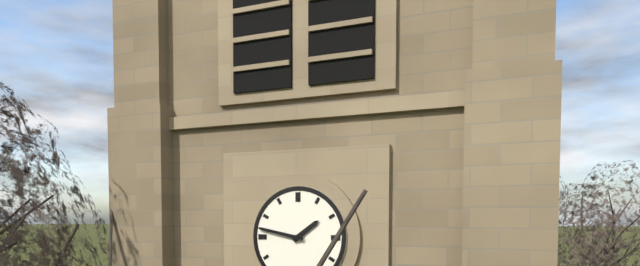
1,47
